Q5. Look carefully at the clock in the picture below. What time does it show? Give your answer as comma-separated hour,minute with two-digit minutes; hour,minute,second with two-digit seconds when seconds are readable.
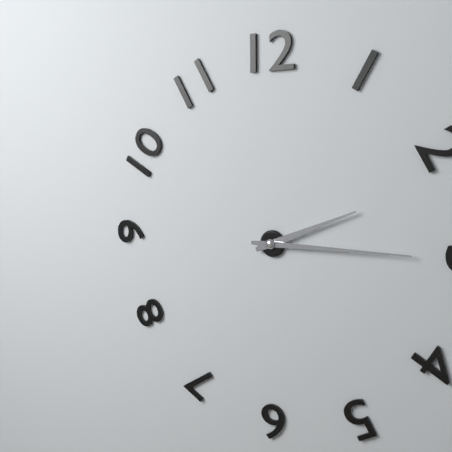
2,15
